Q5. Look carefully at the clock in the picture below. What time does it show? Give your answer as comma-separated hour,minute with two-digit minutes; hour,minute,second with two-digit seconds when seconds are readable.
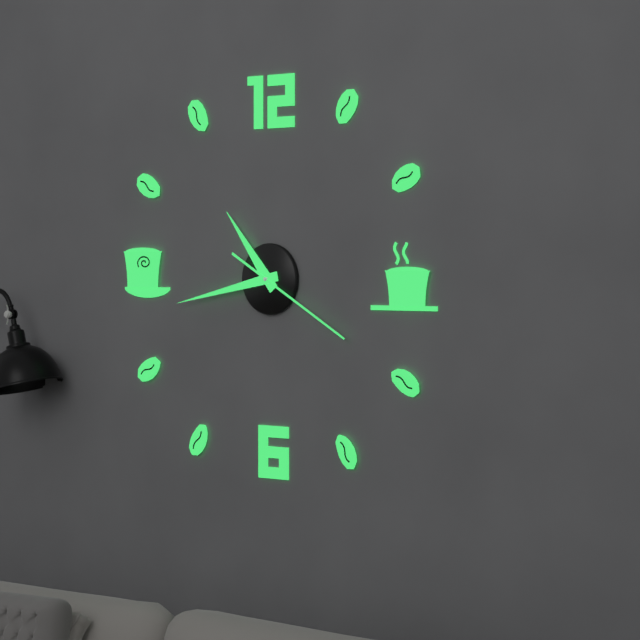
10,43,20
